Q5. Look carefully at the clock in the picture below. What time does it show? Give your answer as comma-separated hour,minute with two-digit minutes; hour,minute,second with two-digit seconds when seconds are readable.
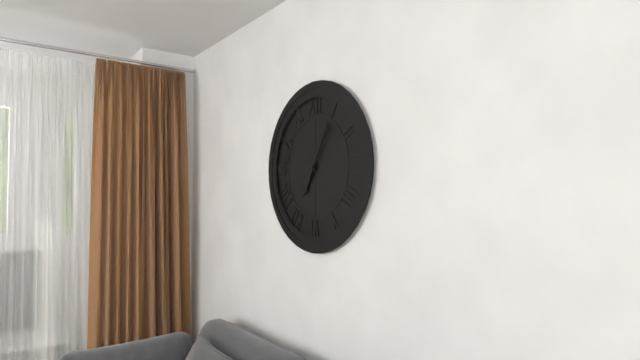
7,05
